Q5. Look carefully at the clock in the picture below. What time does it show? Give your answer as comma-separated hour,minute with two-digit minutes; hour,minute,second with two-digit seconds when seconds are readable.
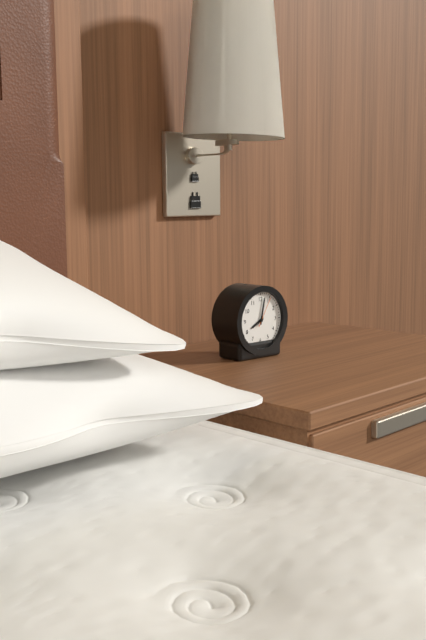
8,02
